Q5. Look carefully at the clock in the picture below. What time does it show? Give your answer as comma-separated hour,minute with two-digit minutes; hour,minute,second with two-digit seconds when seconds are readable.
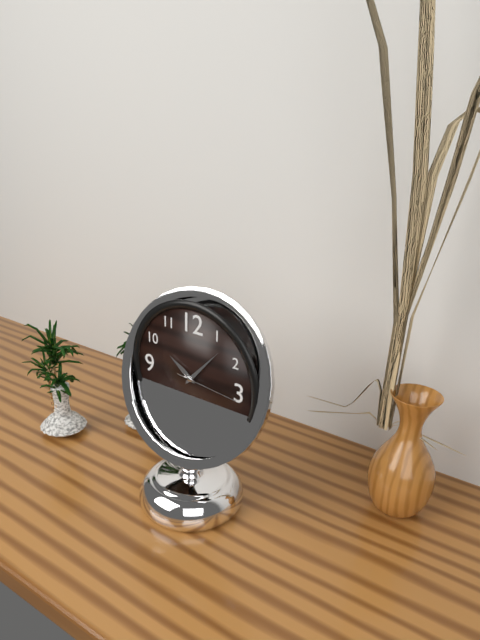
10,07,16
